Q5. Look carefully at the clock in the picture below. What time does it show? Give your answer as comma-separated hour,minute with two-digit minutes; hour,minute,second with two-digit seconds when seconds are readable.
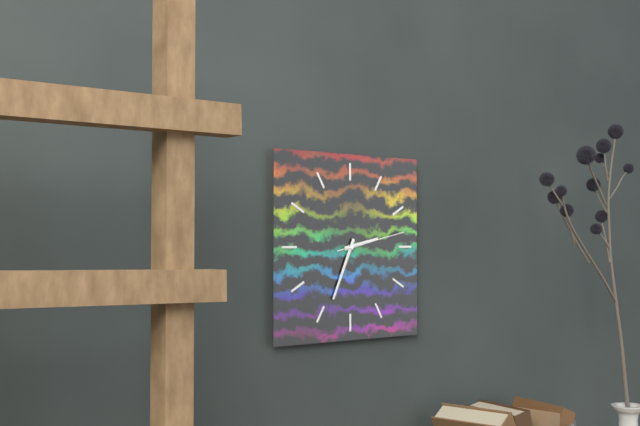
2,34,13
